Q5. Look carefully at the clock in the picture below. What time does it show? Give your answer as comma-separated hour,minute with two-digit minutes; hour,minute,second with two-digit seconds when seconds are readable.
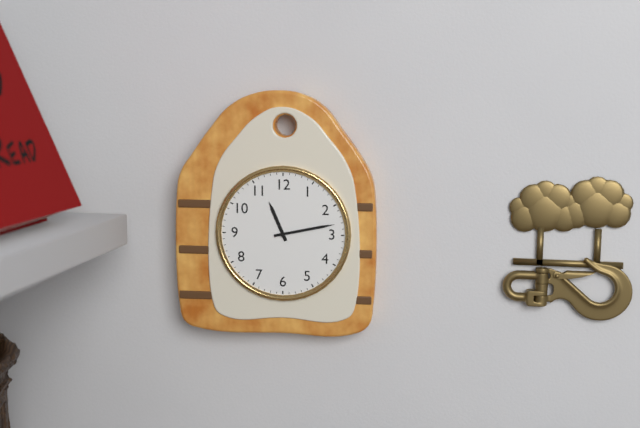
11,13
